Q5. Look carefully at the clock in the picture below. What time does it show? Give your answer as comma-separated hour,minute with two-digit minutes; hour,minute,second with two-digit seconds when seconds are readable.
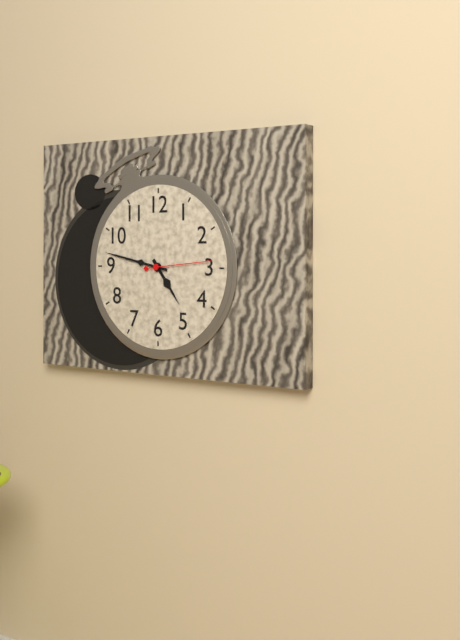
4,47,14
